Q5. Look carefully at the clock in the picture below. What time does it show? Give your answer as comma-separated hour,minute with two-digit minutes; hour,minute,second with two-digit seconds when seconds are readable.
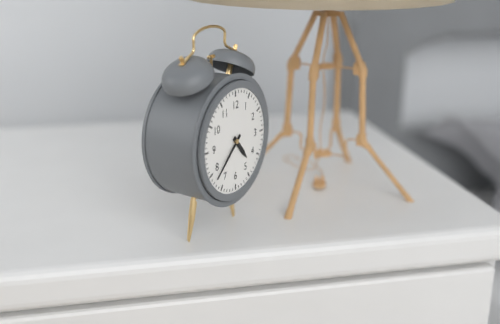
4,38
